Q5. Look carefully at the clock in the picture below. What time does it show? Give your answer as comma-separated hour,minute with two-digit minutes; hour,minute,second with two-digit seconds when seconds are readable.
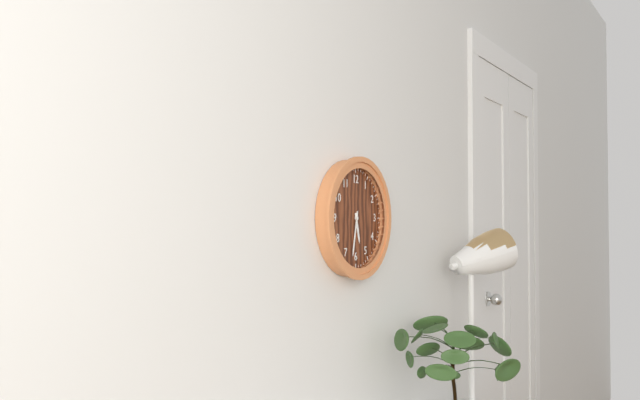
5,32
